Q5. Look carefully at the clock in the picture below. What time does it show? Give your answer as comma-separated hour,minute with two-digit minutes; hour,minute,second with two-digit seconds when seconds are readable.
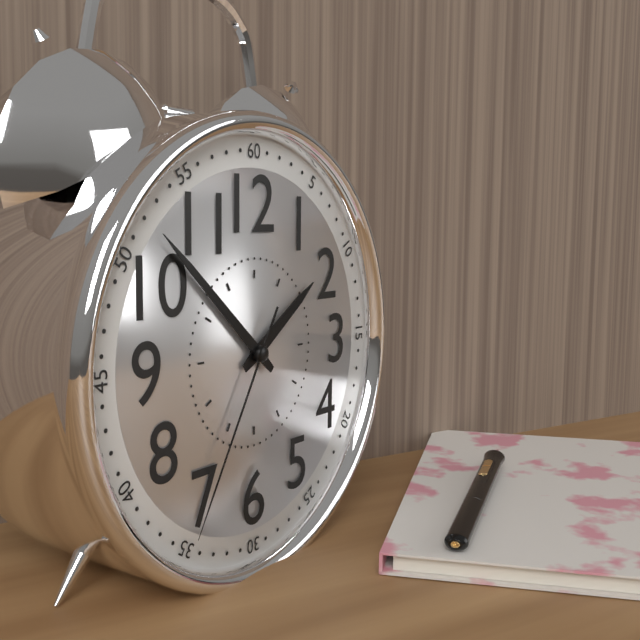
1,52,35
